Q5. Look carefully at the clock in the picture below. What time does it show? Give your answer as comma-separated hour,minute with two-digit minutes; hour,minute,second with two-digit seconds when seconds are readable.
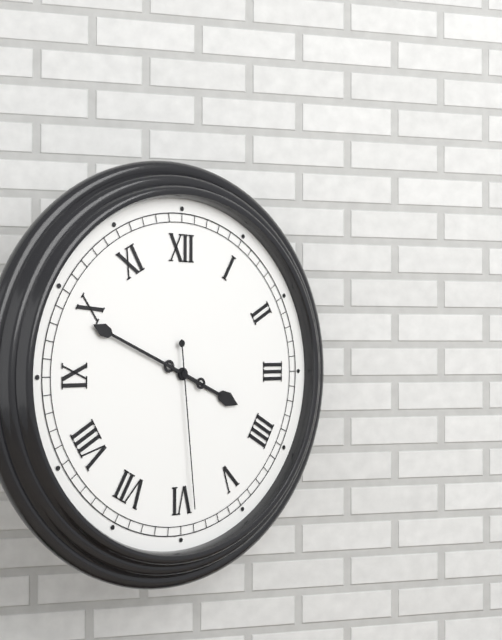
3,49,29
